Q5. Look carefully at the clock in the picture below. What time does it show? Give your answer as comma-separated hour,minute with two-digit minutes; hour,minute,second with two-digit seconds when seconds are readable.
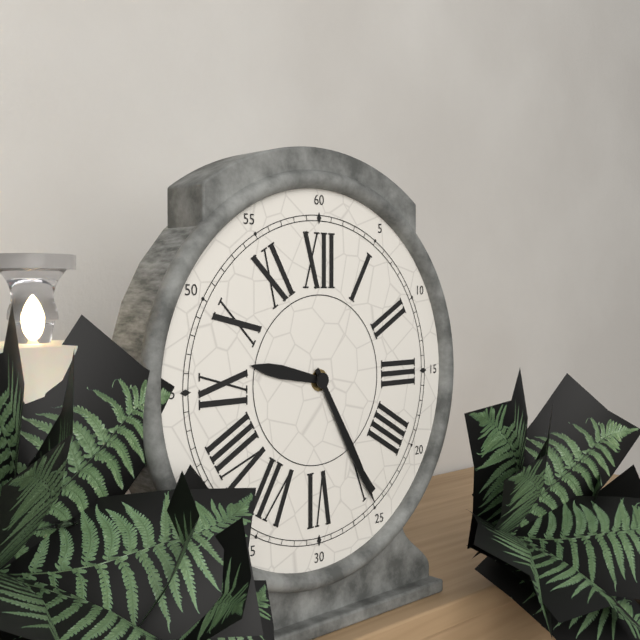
9,25
